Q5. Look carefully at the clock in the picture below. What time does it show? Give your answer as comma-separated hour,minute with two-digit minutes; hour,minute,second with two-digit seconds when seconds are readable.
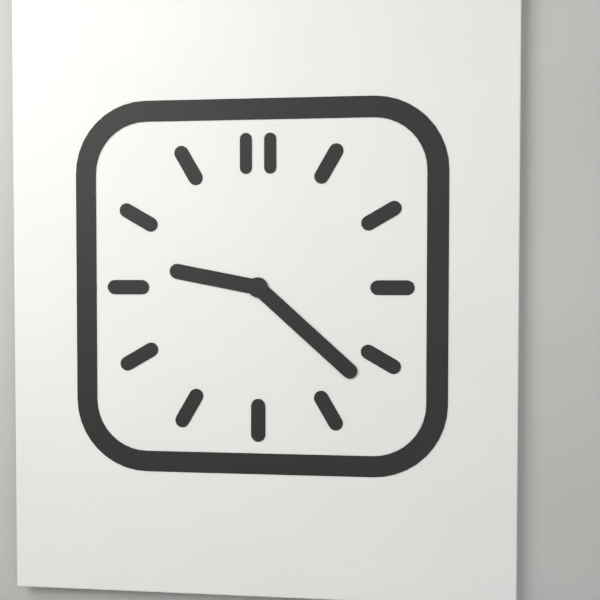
9,22
